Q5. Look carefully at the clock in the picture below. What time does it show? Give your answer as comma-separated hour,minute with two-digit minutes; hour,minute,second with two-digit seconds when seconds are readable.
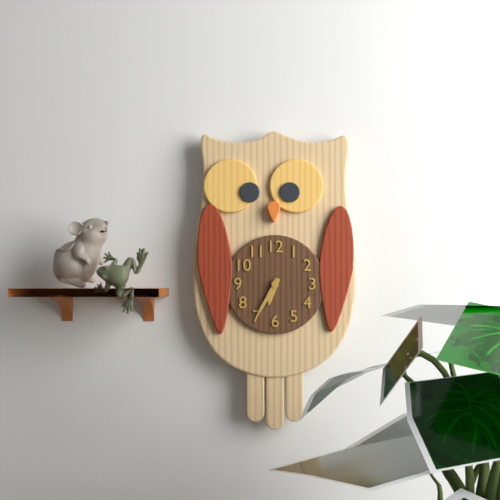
6,35
